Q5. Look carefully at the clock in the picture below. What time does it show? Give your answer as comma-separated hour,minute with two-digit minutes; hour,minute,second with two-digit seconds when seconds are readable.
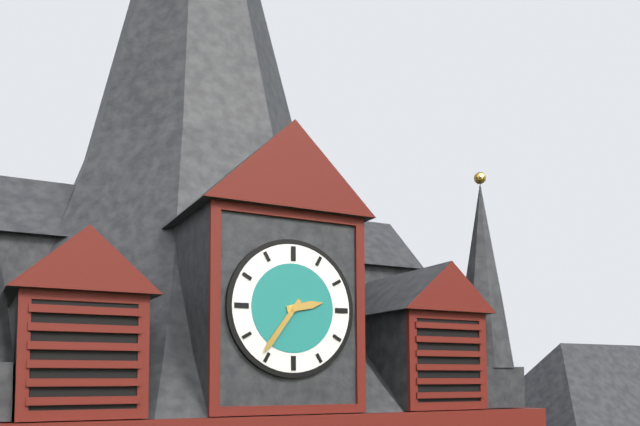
2,36
